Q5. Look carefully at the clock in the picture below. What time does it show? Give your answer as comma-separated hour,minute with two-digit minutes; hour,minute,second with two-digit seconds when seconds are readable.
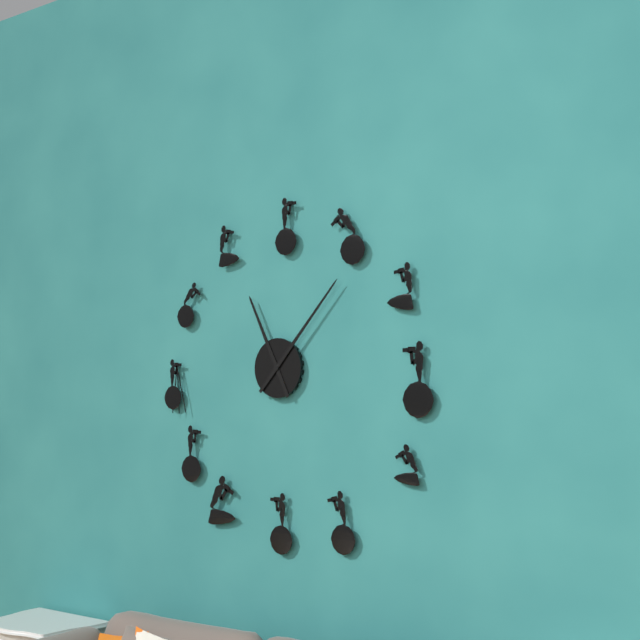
11,07
